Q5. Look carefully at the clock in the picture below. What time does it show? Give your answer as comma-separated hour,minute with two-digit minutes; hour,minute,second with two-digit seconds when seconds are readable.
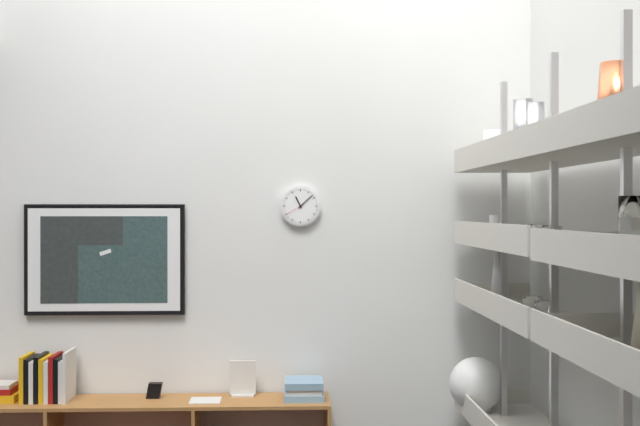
11,08
